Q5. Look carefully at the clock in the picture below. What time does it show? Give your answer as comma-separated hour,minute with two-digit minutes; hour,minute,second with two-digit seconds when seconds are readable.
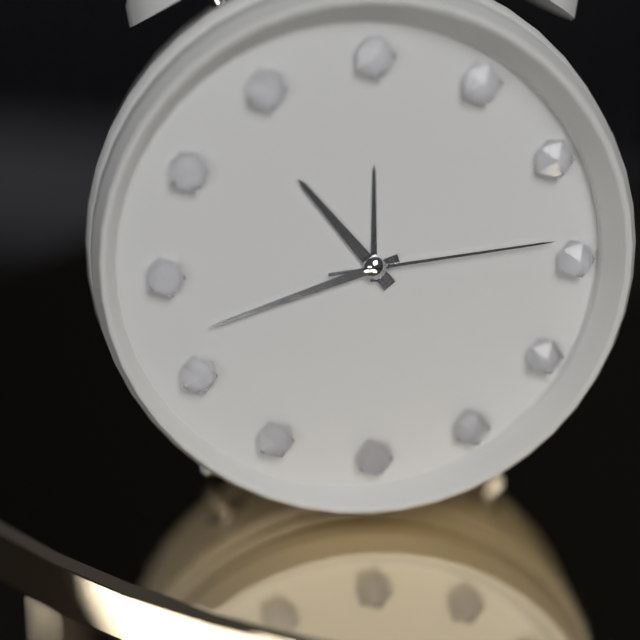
10,42,14
